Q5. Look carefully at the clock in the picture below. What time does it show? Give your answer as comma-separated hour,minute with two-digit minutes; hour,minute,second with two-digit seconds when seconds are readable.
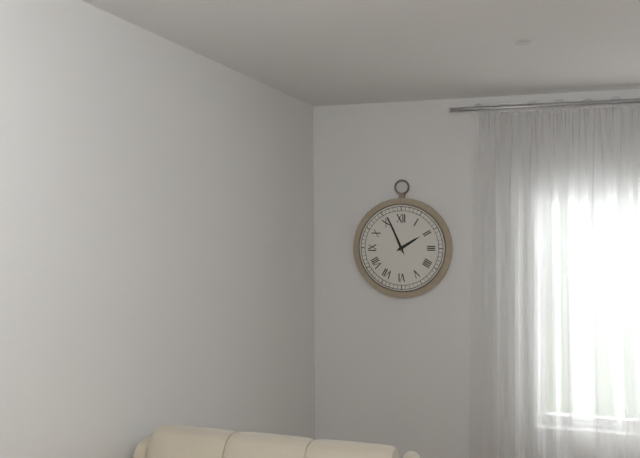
1,56
